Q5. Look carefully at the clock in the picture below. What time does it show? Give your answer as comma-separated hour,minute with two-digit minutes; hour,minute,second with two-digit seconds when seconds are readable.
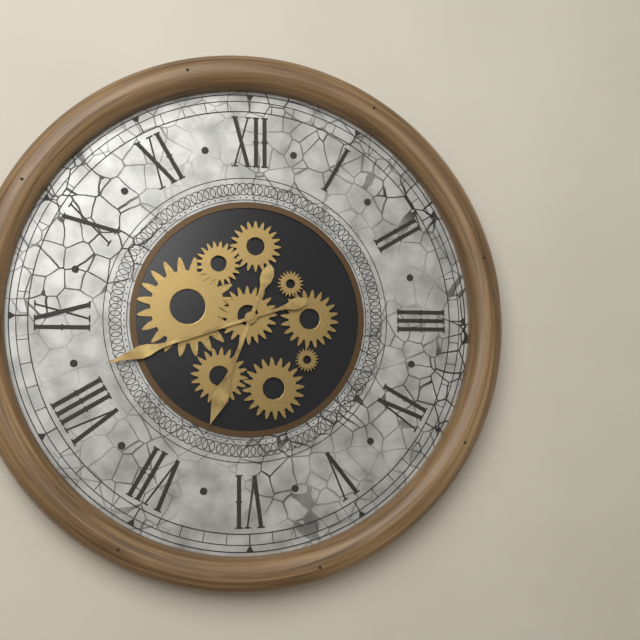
6,42
